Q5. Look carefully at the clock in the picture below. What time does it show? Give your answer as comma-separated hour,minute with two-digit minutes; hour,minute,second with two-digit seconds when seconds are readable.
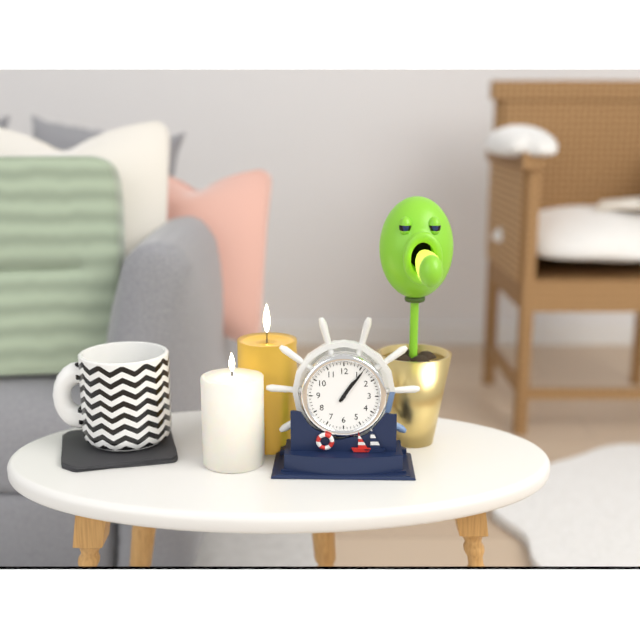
1,06
